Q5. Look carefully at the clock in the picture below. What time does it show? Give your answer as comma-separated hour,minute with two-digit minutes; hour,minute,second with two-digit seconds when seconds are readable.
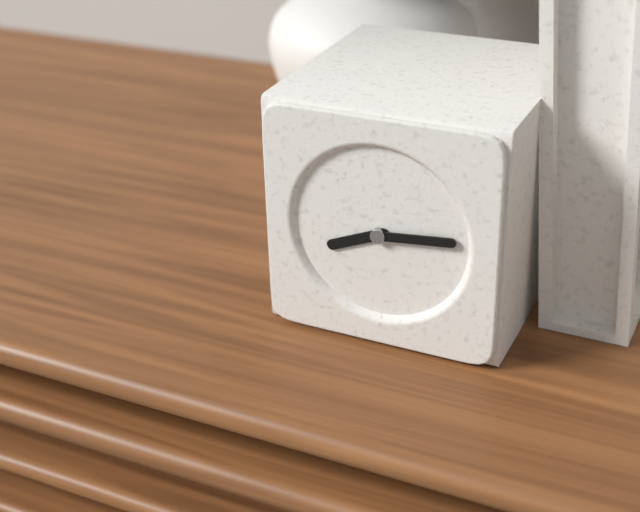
8,14
